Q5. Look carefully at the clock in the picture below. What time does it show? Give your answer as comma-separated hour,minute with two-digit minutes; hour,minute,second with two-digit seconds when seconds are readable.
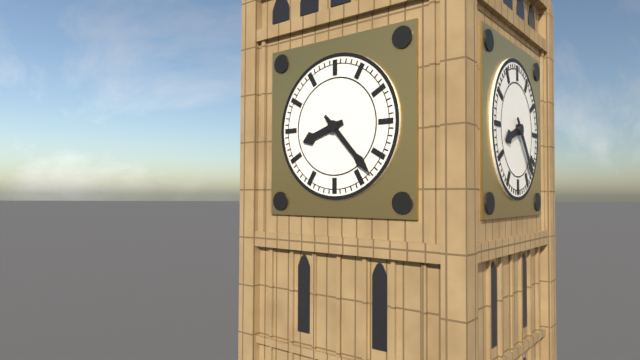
8,23
